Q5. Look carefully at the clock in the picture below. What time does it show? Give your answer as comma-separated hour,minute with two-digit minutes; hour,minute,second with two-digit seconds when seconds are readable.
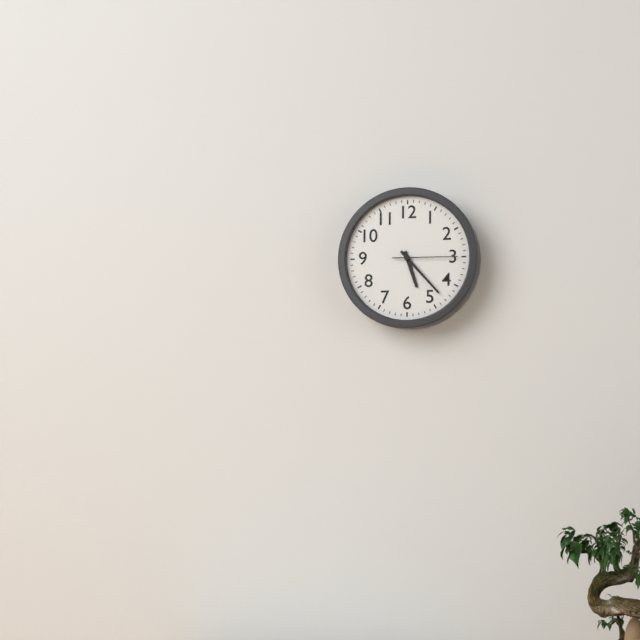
5,23,15
